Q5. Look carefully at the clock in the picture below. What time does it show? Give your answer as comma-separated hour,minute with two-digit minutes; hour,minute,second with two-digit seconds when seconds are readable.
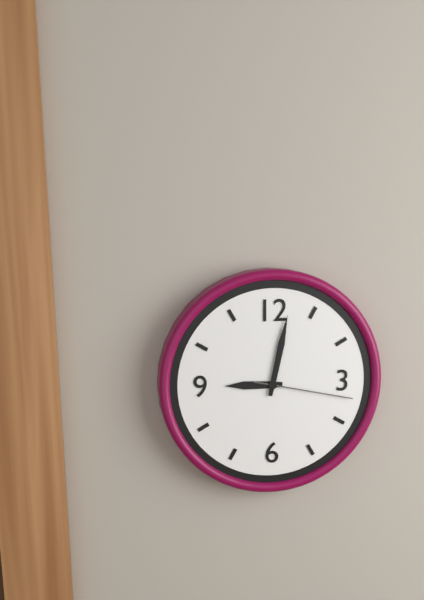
9,02,17
